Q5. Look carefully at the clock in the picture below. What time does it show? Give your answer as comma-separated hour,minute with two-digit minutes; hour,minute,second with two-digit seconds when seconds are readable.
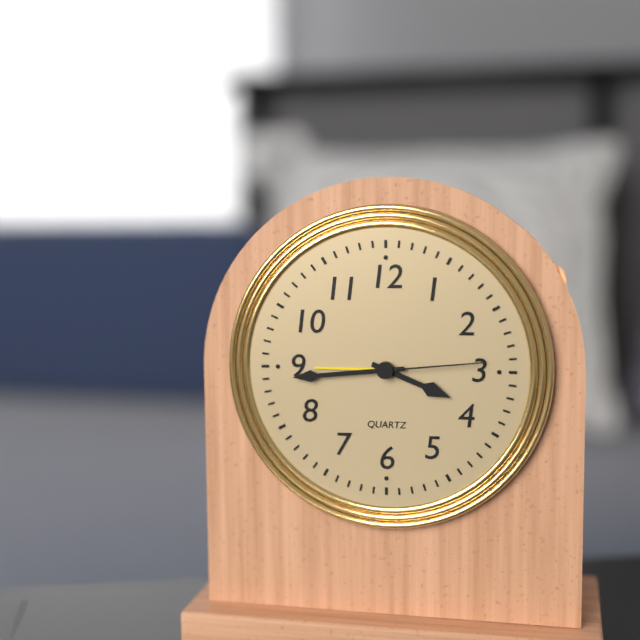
3,44,14
